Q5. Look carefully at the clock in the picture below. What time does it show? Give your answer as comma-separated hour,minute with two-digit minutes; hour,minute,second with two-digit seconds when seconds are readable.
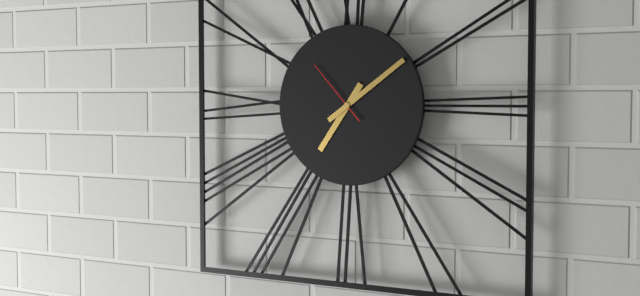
7,09,53
